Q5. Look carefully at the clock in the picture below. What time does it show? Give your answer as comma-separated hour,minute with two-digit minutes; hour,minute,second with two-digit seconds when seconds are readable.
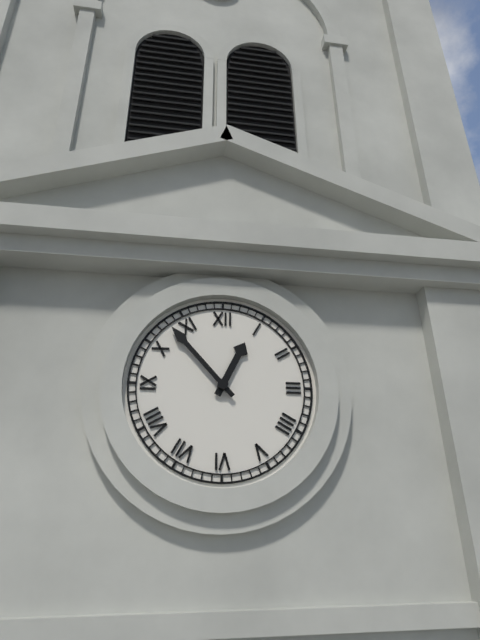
12,53
